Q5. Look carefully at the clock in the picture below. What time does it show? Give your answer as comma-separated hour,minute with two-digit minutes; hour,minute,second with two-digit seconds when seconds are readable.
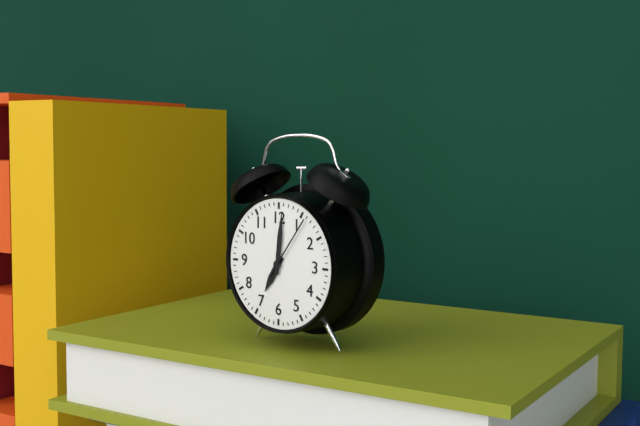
7,01,06
